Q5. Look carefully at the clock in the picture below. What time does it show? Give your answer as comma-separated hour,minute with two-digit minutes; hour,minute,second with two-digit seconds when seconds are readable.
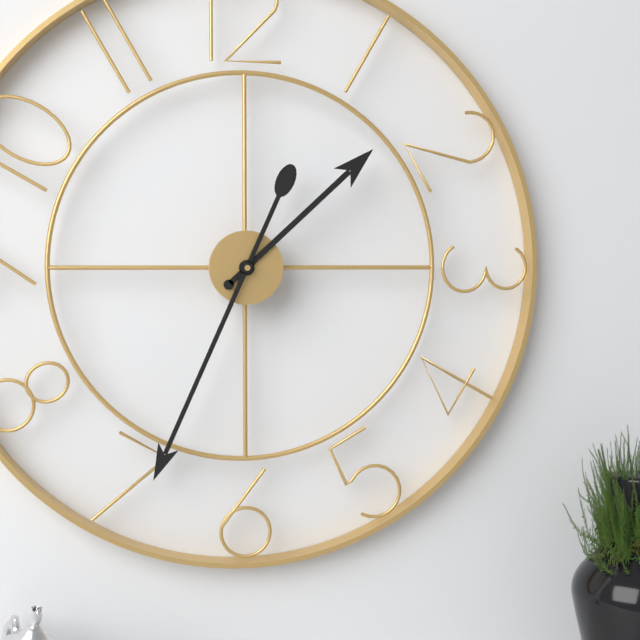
1,34
